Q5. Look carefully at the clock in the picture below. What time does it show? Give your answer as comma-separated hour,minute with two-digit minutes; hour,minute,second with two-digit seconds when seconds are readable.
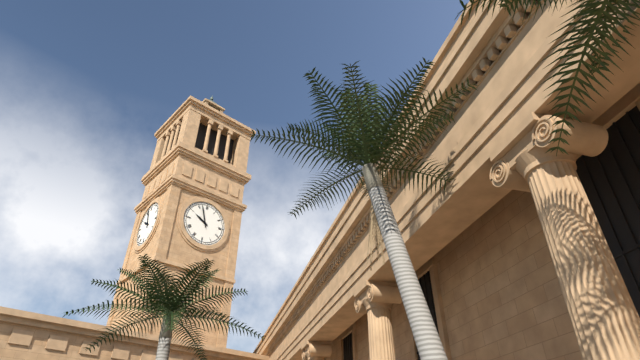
9,57
